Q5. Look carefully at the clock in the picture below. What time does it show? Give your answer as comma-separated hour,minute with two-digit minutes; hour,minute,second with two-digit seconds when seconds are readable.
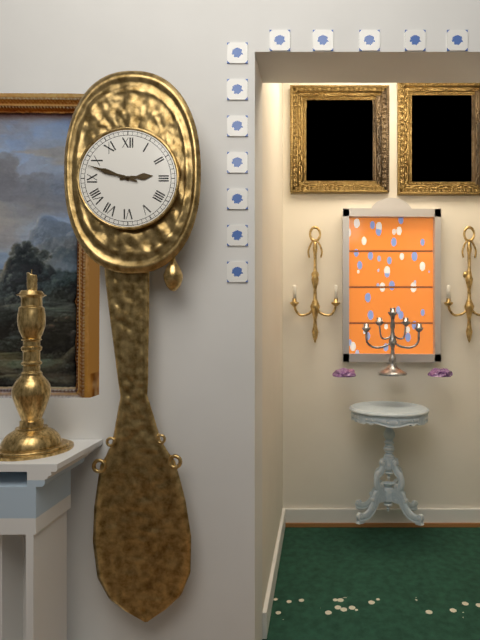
2,48
